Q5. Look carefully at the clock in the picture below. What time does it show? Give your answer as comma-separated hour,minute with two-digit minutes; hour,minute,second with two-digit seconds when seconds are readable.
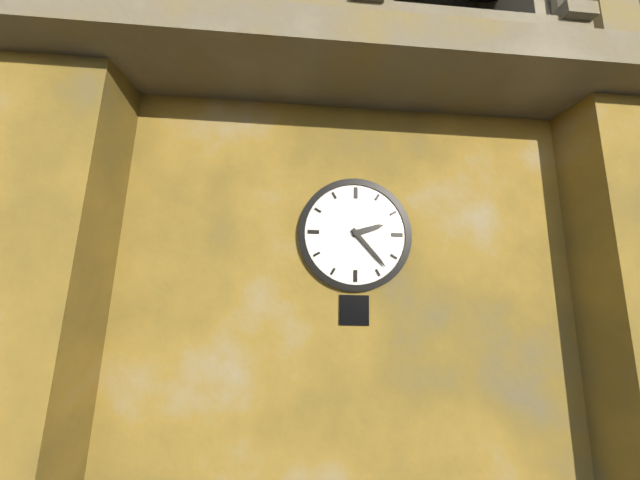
2,23
